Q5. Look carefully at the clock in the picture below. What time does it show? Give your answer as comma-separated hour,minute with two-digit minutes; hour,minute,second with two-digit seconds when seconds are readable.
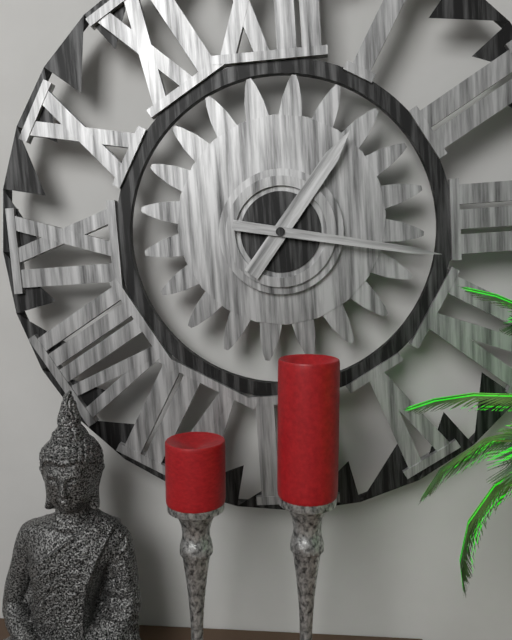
1,17
